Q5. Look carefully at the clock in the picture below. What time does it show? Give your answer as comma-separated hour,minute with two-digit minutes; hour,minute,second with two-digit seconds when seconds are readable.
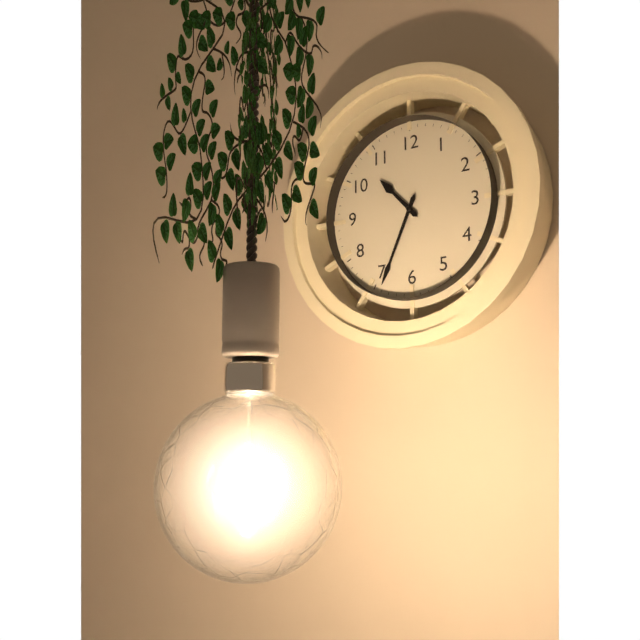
10,34
